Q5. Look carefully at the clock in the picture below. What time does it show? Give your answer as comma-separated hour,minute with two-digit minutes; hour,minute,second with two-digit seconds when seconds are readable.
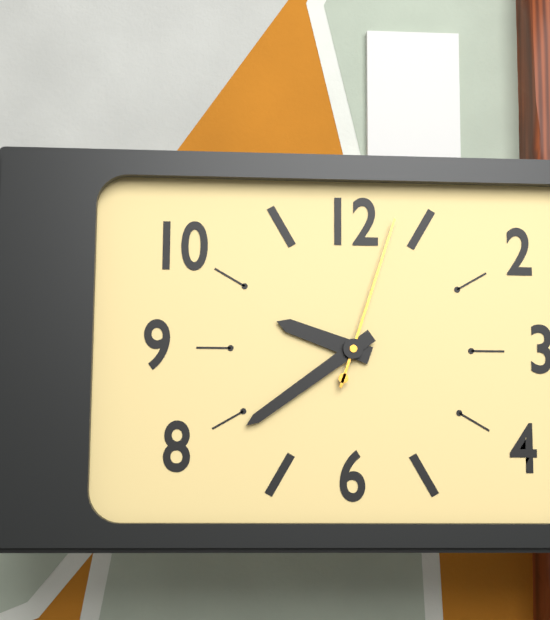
9,39,03
